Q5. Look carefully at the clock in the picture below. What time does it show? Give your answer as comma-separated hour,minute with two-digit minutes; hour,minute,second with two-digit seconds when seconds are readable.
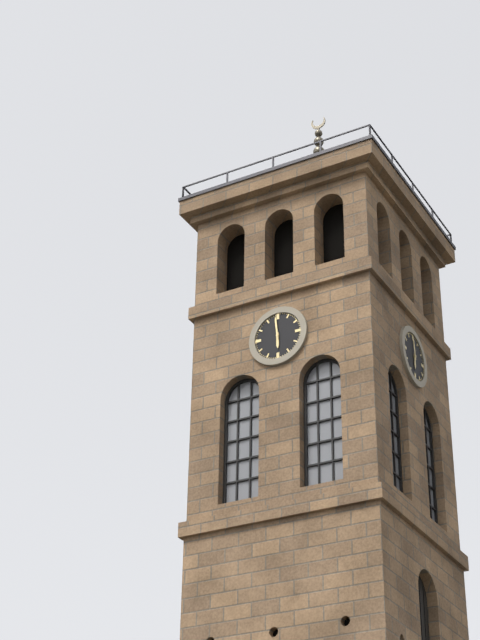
5,59
